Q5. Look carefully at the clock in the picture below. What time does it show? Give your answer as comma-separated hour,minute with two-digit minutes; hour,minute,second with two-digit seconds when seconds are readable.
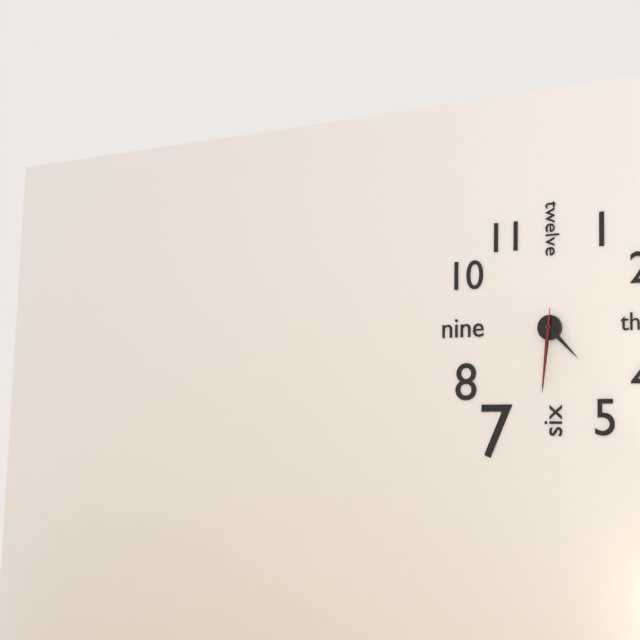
4,31,31
